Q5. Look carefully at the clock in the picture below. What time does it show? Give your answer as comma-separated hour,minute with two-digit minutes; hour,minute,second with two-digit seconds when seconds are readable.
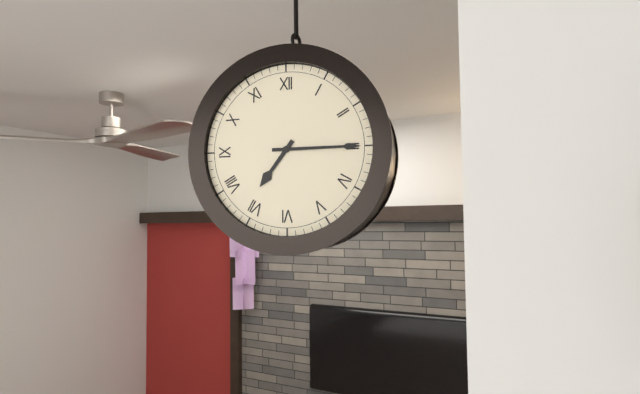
7,15
